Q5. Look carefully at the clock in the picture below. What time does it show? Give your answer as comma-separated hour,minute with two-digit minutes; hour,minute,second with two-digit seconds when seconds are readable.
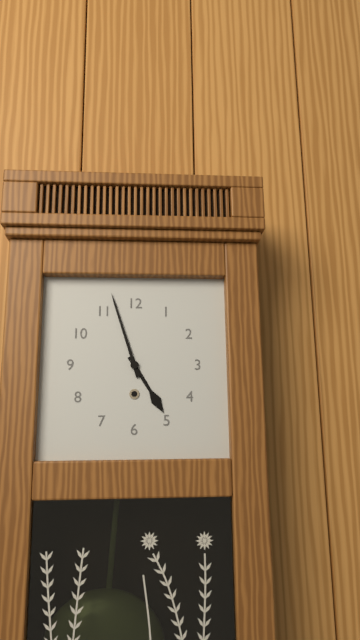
4,57
